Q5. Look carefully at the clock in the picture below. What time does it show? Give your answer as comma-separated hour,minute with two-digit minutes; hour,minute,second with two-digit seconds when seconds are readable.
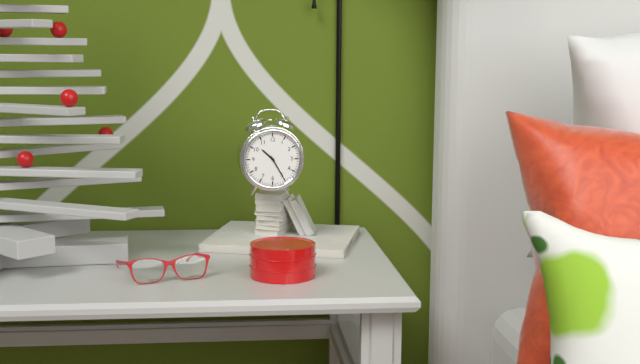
10,25
